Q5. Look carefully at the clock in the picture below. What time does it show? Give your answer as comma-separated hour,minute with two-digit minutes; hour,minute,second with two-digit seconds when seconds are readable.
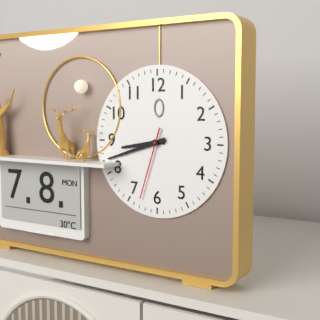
8,42,33
